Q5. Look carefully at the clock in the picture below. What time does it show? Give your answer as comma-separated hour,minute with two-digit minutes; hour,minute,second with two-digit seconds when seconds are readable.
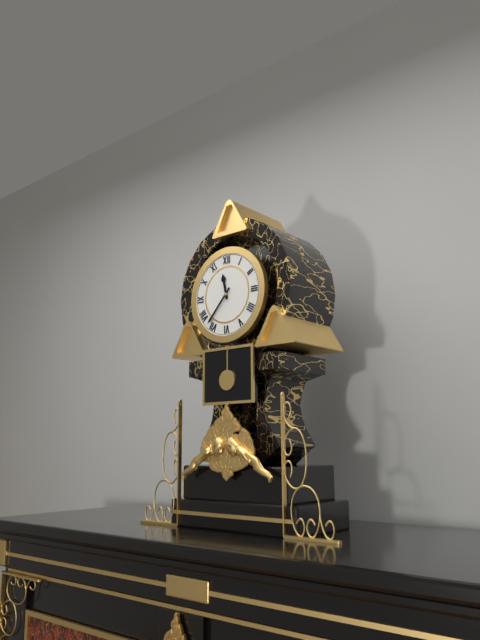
11,37
